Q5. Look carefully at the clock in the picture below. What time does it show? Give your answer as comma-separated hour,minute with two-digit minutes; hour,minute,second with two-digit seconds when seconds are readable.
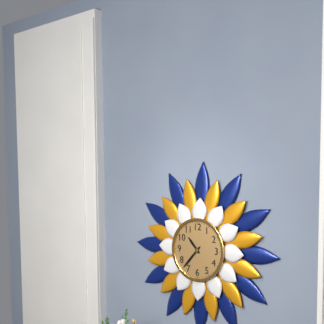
10,37
